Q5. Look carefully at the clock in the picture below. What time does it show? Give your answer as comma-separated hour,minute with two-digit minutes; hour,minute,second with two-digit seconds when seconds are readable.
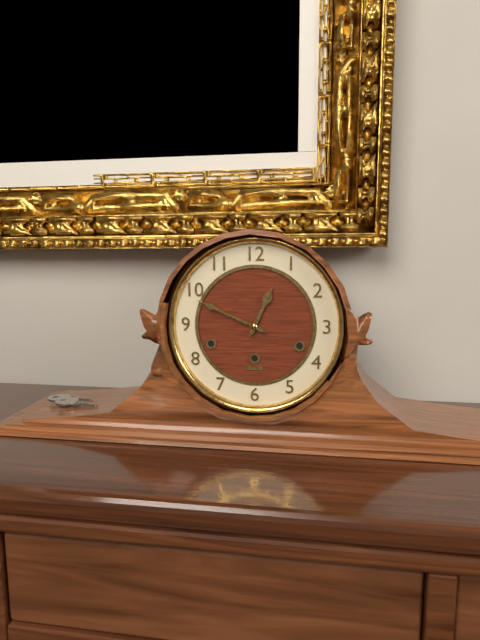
12,49
